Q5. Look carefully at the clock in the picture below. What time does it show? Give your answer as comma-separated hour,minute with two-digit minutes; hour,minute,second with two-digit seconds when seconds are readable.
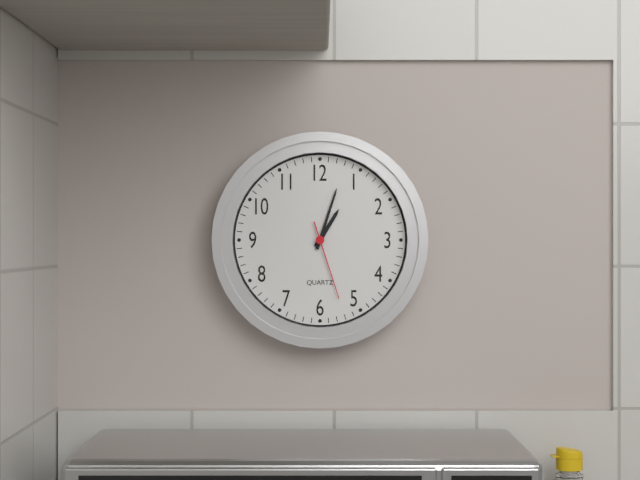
1,03,27
